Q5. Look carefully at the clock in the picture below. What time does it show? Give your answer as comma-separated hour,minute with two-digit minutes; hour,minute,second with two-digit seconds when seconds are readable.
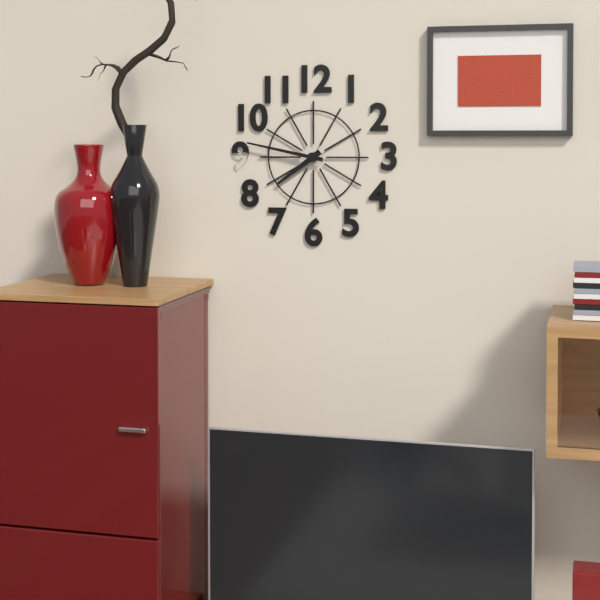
7,47
